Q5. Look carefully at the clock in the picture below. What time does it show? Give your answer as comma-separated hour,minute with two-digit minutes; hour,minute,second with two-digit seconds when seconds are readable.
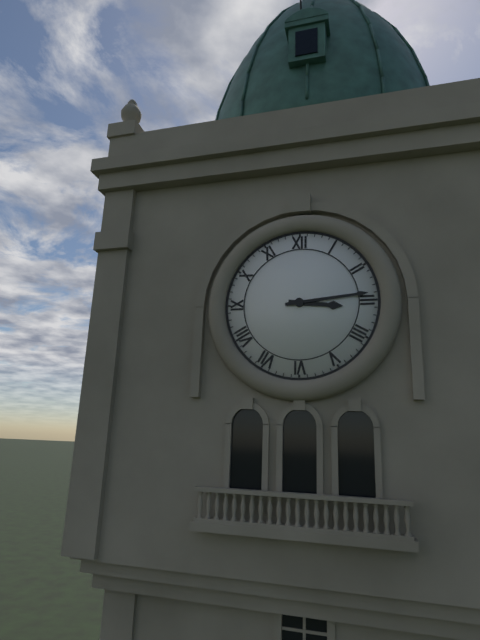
3,14
